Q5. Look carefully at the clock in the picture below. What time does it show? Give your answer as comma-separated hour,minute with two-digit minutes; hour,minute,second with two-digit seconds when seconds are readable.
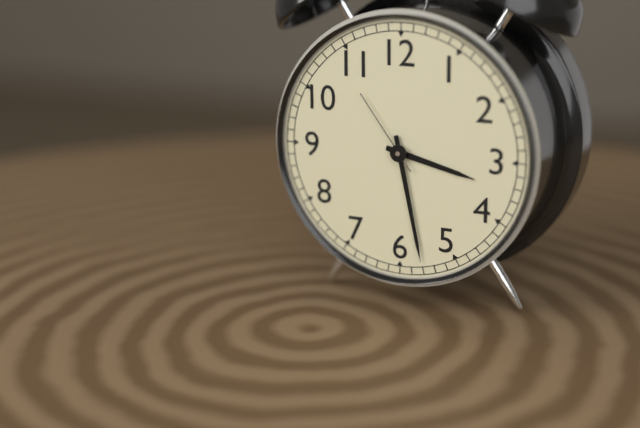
3,28,54
